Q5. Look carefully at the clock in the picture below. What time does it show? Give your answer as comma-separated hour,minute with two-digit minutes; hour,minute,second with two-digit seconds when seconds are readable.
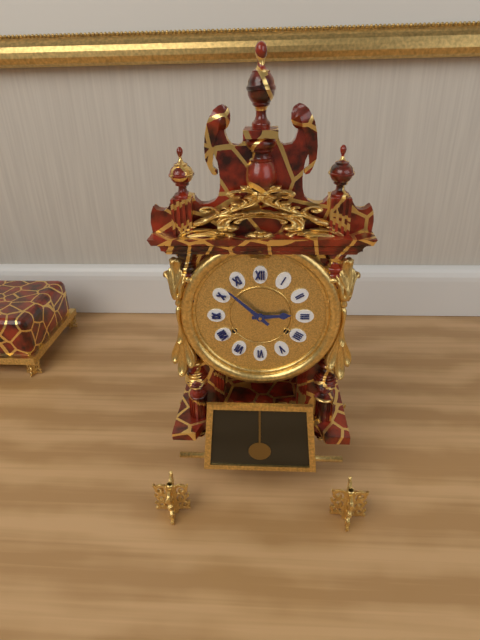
2,52
